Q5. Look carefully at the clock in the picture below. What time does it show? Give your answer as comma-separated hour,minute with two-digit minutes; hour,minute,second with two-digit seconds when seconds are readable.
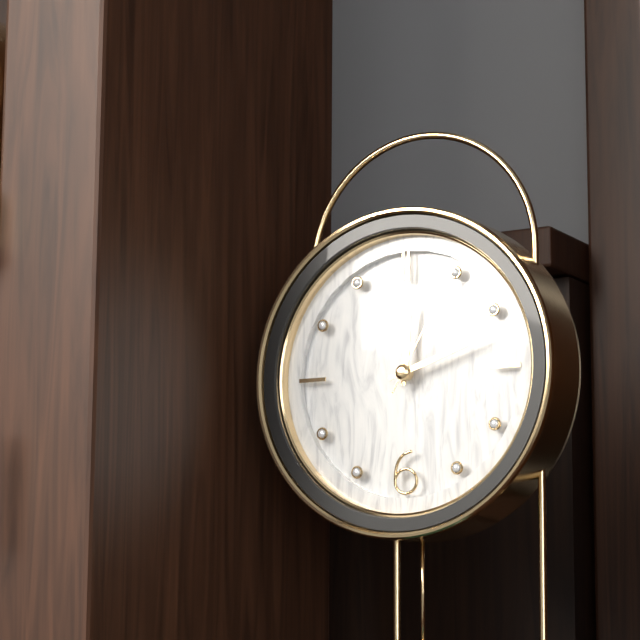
12,12,05
